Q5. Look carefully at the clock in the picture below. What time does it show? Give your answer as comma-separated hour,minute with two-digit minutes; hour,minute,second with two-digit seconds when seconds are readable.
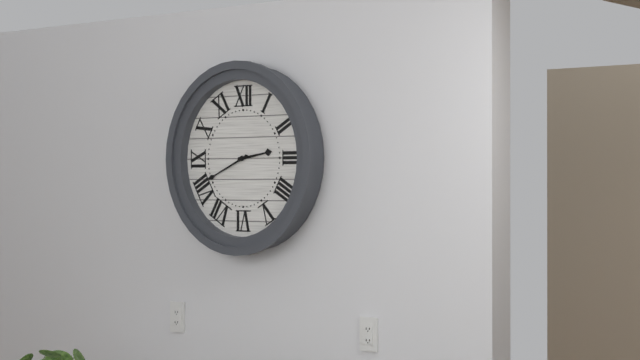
2,41
